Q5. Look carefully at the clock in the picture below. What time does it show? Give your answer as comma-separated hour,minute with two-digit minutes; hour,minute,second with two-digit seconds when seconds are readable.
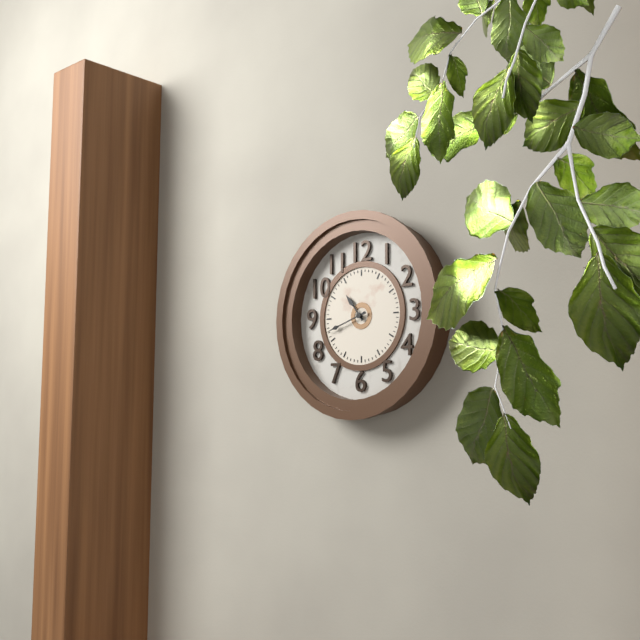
10,42
